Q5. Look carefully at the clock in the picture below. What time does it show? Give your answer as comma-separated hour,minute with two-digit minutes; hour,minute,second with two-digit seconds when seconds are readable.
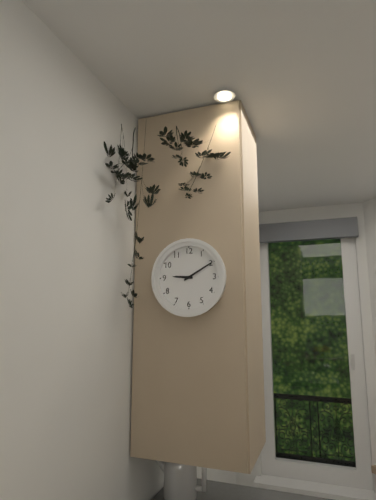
9,10
